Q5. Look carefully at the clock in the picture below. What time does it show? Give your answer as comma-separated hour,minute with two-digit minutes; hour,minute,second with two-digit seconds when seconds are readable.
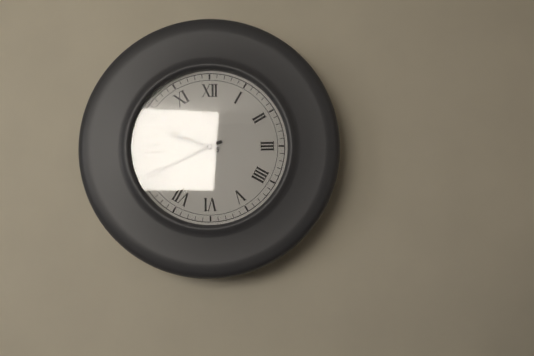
9,41
